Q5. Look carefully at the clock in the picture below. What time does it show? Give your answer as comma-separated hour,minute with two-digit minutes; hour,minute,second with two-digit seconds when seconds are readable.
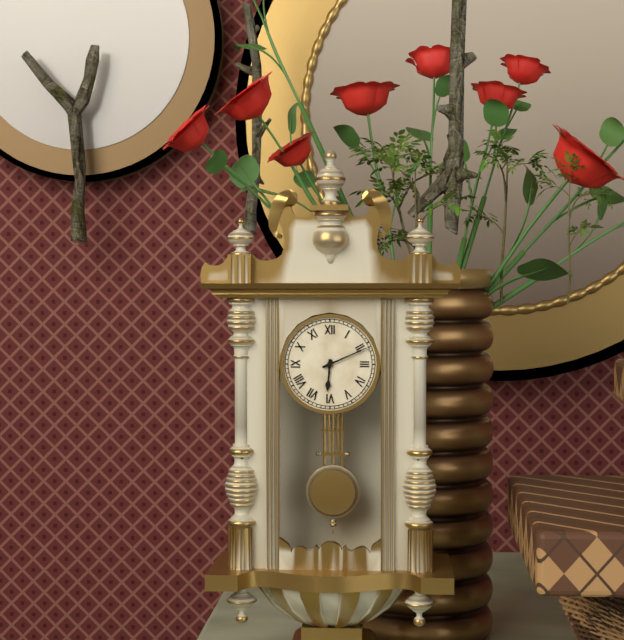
6,11
